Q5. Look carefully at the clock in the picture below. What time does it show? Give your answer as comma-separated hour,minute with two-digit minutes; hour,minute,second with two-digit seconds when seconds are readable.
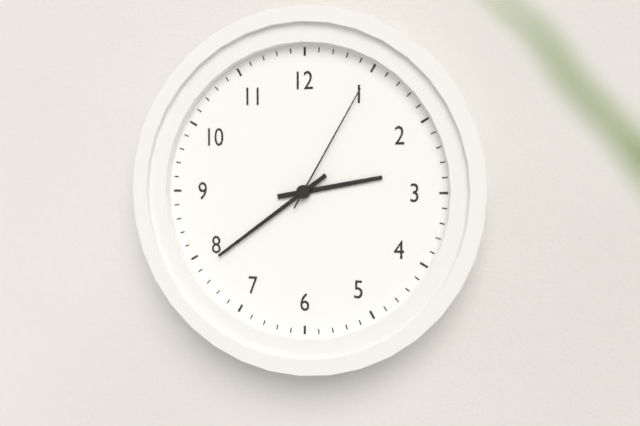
2,39,05
